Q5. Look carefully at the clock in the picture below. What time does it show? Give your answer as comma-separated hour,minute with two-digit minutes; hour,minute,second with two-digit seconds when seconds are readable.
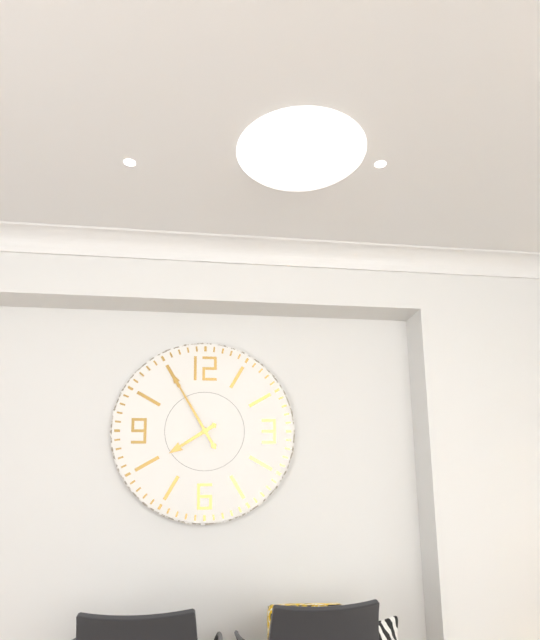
7,55
